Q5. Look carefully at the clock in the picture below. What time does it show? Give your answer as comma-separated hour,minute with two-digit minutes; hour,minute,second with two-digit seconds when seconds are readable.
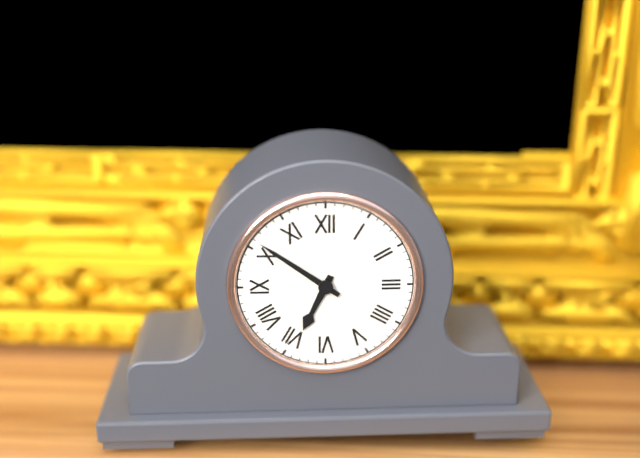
6,51
